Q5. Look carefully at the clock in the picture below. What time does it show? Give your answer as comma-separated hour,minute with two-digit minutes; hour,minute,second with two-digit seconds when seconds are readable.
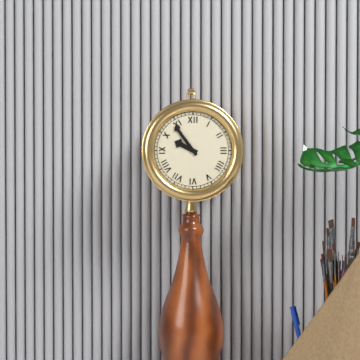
9,54
